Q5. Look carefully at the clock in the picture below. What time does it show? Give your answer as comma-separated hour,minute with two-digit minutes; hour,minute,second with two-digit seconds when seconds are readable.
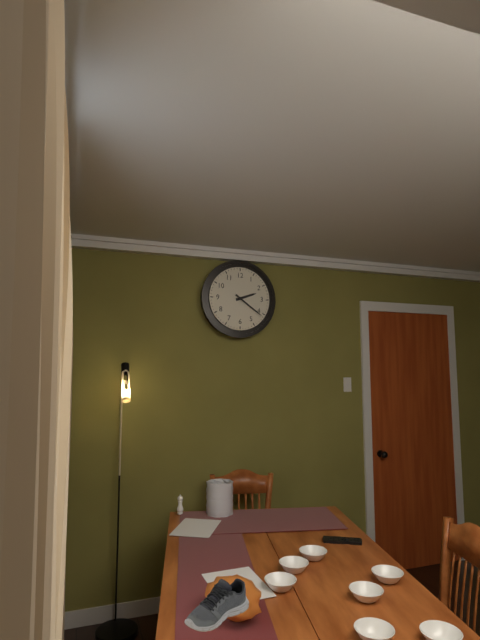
2,21
